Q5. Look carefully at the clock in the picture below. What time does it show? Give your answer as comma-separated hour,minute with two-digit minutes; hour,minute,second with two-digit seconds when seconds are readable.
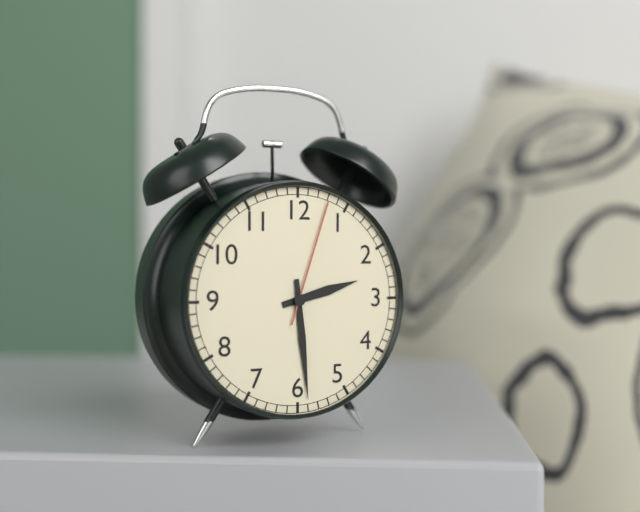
2,29,03
